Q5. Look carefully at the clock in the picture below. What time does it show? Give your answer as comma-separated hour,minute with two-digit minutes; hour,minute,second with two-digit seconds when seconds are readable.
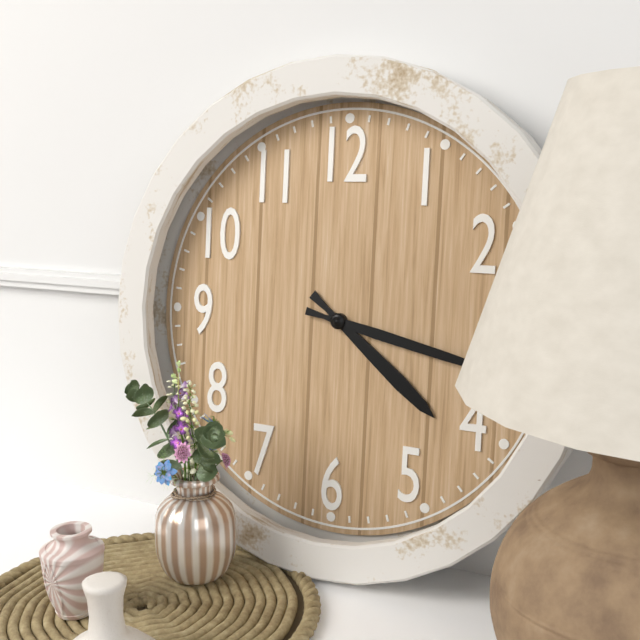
4,17
